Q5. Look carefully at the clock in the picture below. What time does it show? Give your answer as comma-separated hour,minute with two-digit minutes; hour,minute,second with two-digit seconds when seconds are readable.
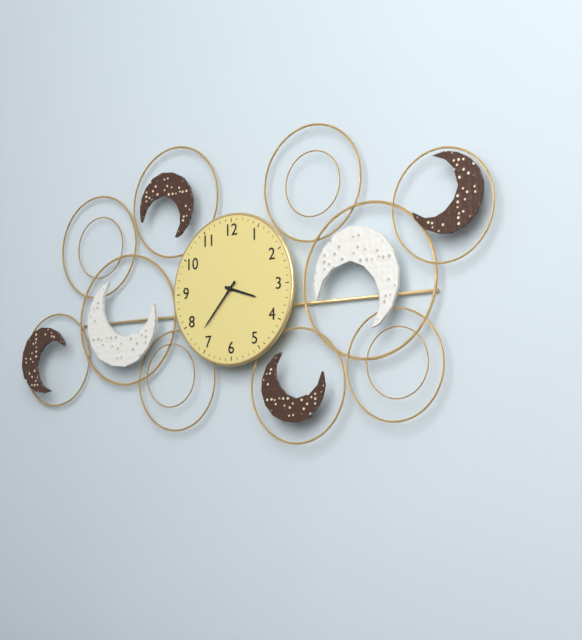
3,37
